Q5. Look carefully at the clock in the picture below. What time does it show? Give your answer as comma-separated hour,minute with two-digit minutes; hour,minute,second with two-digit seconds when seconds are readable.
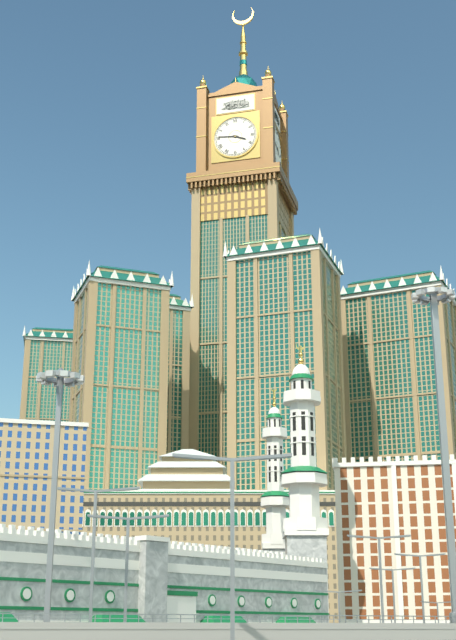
3,46
